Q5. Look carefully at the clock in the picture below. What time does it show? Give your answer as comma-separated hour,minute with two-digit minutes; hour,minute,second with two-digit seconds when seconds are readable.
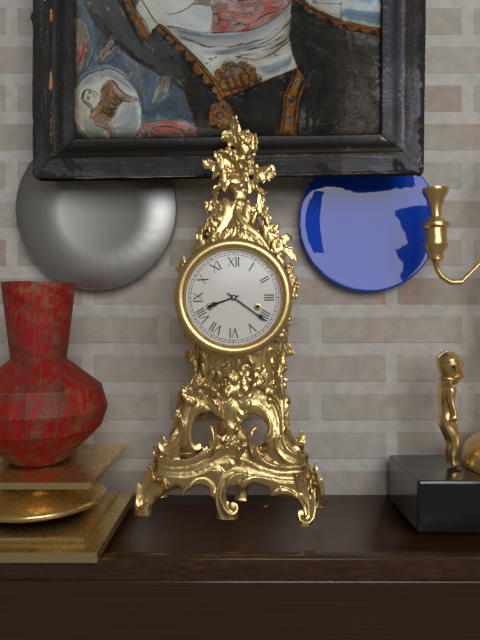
8,21
